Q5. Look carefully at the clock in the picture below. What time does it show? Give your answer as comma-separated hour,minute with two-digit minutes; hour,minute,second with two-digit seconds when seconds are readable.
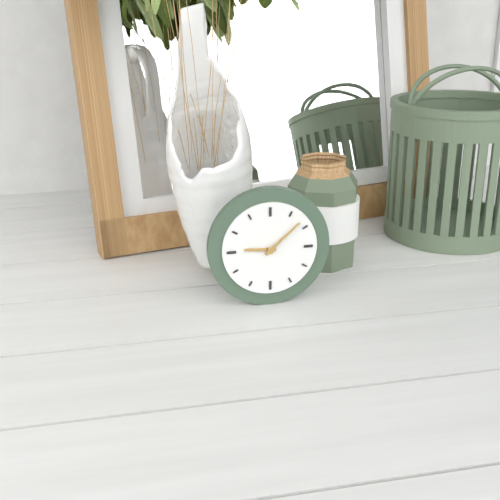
9,08
